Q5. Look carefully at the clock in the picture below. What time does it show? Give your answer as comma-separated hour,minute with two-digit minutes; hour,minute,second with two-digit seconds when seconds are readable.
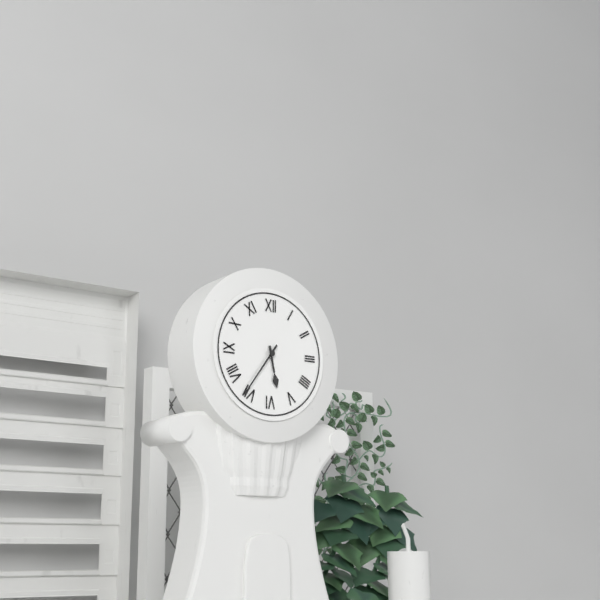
5,36
